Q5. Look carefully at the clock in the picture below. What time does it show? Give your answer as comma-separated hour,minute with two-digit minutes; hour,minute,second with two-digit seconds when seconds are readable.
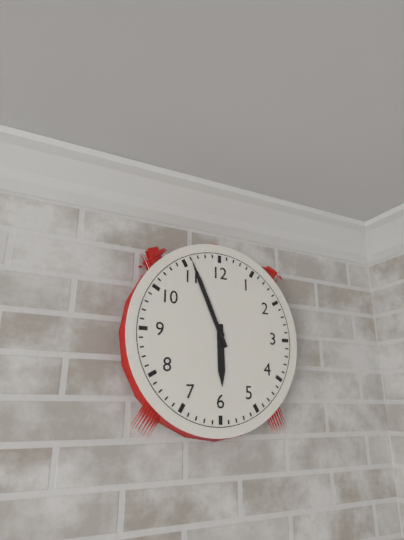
5,56
